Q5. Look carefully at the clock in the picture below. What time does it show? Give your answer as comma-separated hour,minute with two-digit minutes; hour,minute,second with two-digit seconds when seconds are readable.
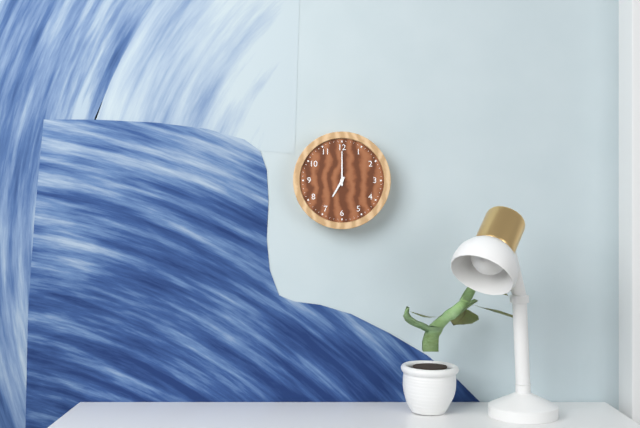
7,00
